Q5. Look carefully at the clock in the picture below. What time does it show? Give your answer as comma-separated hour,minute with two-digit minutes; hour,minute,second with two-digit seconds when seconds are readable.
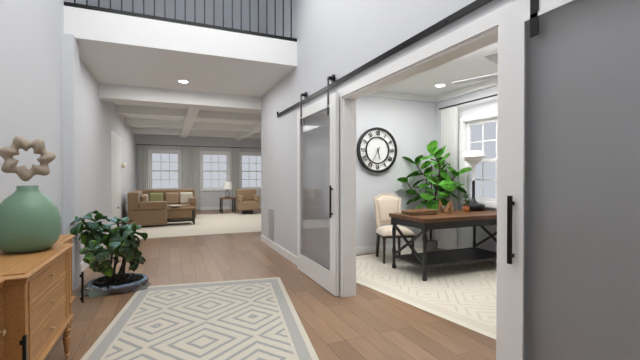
5,35
